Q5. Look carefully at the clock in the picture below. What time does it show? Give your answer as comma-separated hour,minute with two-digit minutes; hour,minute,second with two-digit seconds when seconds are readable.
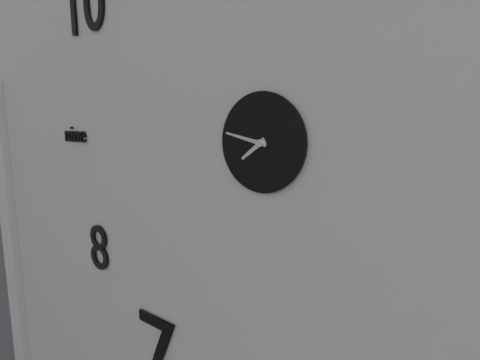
7,47
